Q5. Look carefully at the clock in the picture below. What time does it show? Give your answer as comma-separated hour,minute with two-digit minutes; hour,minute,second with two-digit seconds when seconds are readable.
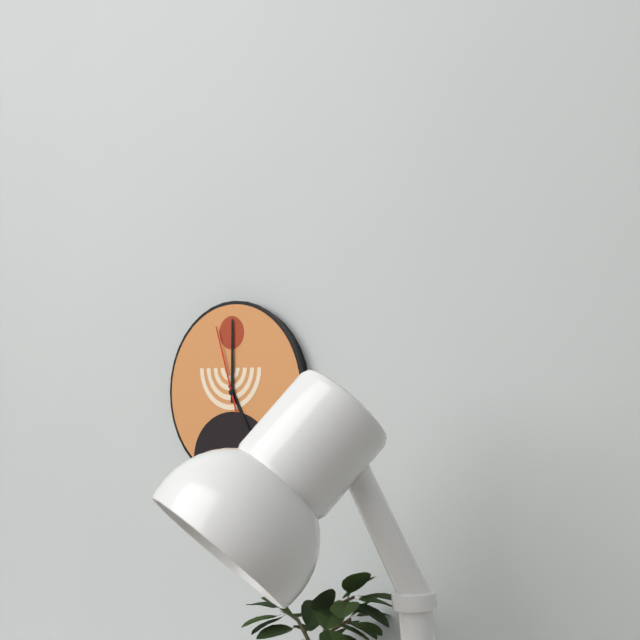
5,00,57
